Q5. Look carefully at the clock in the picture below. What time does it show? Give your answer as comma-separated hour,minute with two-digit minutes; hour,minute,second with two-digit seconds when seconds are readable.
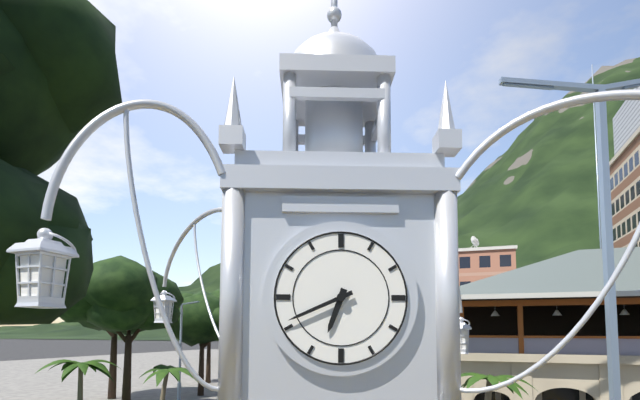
6,41
